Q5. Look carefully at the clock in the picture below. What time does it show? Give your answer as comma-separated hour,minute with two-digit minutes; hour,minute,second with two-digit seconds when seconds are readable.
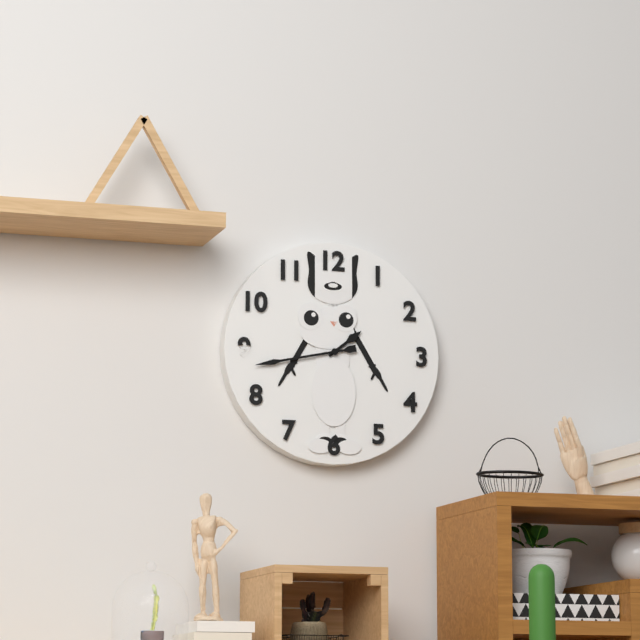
1,43
